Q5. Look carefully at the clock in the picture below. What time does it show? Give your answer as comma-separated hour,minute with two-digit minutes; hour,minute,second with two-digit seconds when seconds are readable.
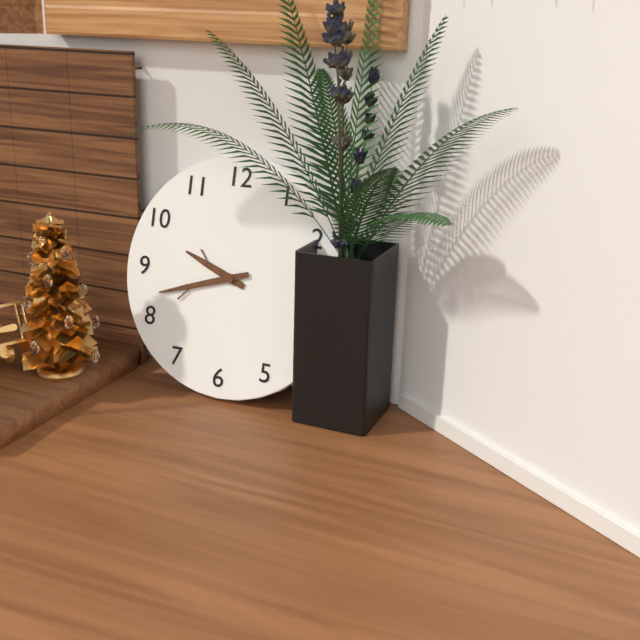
9,42
